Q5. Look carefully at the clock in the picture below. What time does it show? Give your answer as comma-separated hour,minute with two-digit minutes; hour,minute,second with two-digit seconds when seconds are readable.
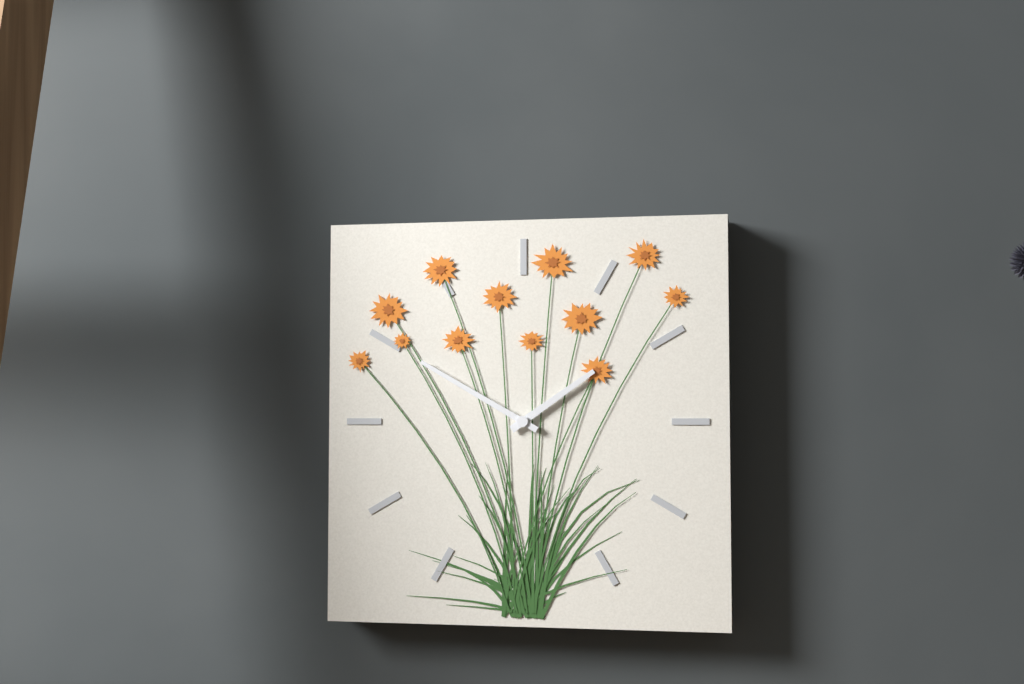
1,50
